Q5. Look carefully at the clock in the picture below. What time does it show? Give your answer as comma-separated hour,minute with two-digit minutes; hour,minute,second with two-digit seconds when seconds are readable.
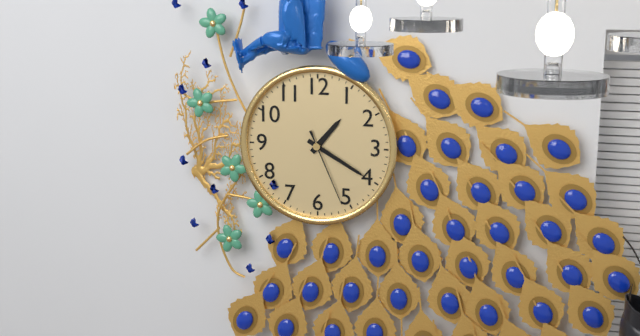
1,20,26
